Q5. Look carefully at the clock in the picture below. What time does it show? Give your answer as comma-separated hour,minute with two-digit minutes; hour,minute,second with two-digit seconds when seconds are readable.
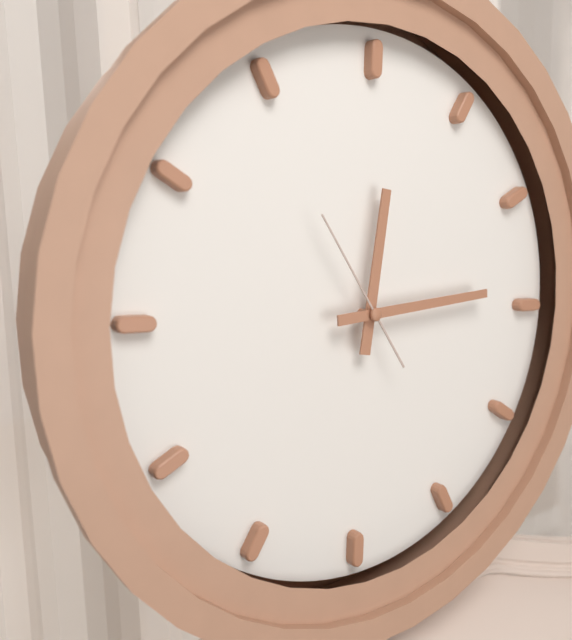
12,14,54
